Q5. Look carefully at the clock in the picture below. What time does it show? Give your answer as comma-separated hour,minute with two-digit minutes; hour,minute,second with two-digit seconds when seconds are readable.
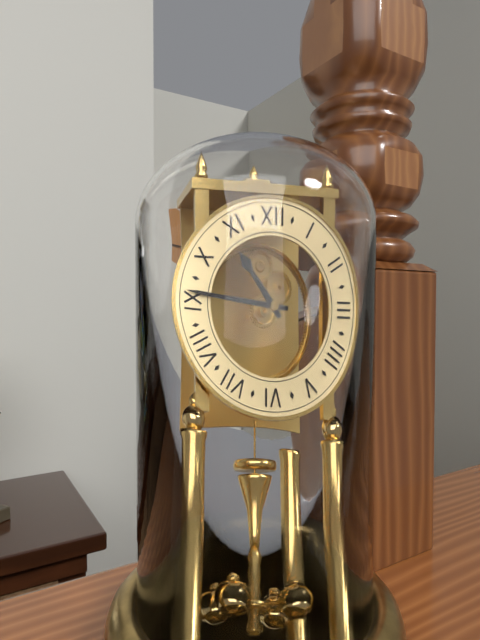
10,46
